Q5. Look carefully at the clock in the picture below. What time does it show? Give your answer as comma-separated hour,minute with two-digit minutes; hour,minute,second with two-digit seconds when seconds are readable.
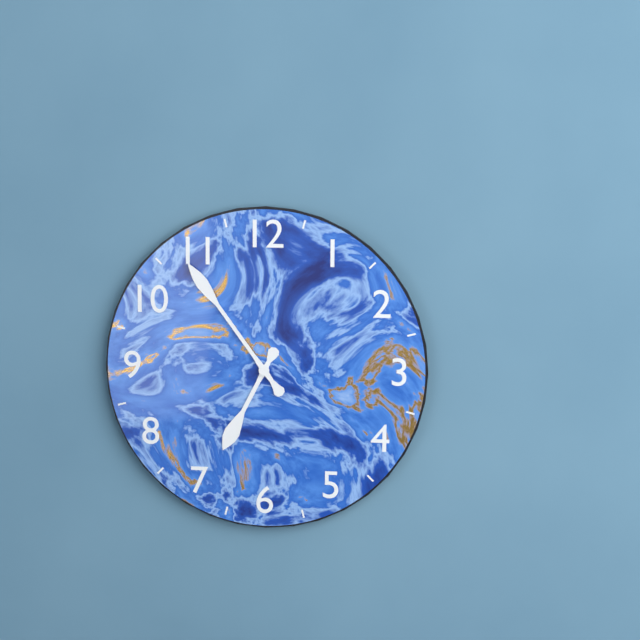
6,54
